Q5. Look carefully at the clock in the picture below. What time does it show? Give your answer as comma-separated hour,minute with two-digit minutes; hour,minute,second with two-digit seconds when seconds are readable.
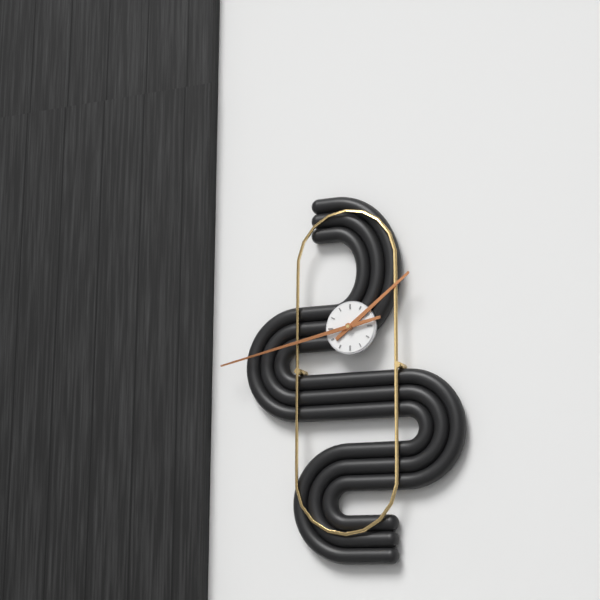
1,43
